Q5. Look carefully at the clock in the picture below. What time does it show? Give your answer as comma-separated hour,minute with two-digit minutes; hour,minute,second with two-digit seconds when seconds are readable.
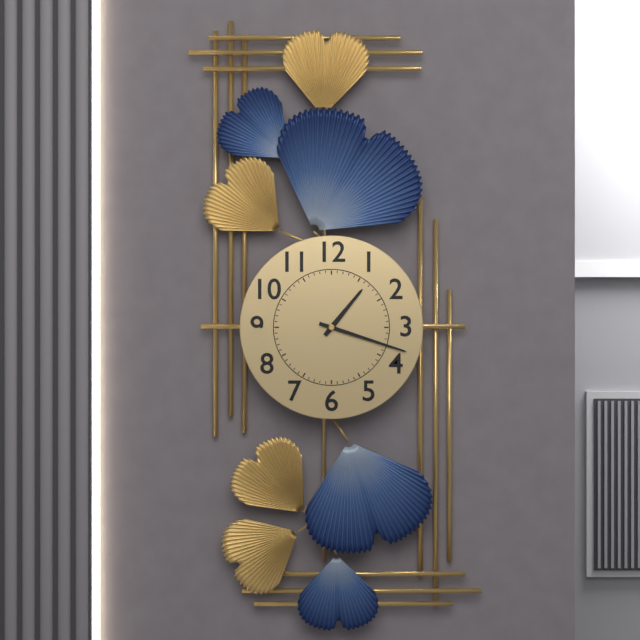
1,18
